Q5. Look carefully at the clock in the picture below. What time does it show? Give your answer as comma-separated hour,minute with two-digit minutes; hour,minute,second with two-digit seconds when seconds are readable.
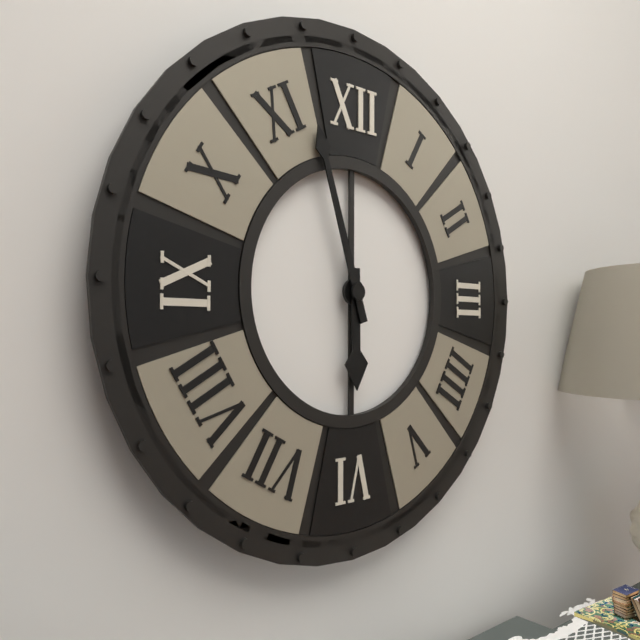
5,57
